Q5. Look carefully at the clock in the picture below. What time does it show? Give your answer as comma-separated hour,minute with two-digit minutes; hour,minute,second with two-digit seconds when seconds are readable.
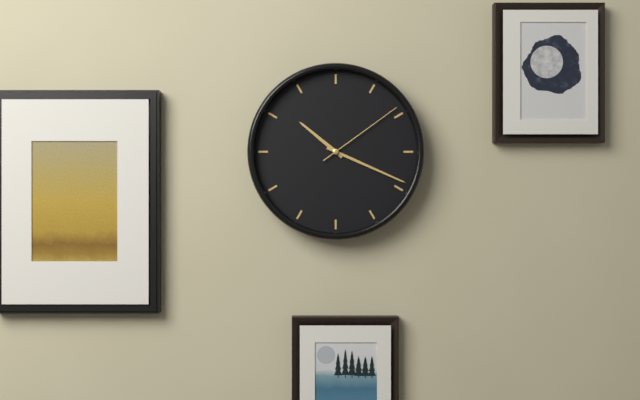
10,19,09
